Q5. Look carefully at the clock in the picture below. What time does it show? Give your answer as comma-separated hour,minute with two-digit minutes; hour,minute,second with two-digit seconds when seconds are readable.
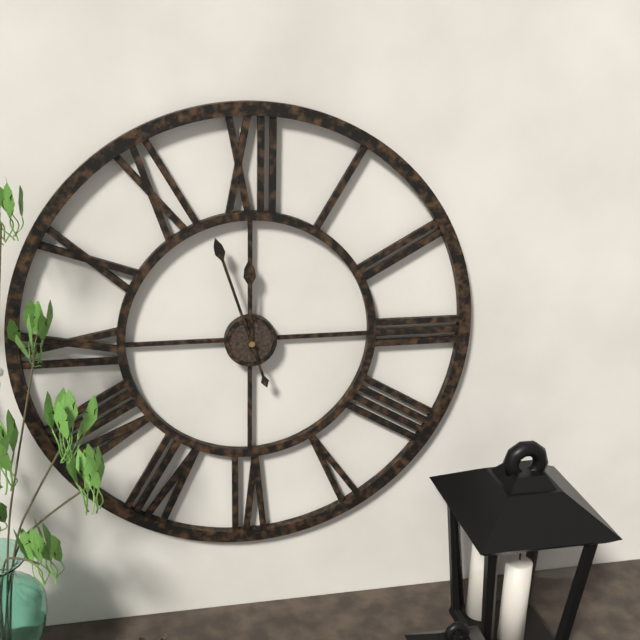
11,57
